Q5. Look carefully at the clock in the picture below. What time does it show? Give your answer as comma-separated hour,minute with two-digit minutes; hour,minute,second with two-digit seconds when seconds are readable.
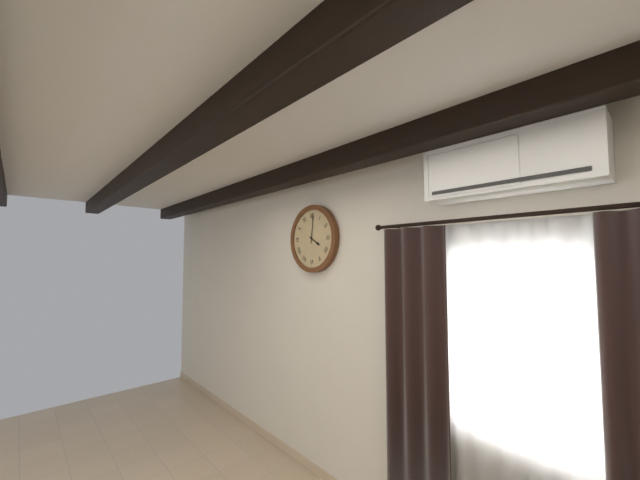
4,01
